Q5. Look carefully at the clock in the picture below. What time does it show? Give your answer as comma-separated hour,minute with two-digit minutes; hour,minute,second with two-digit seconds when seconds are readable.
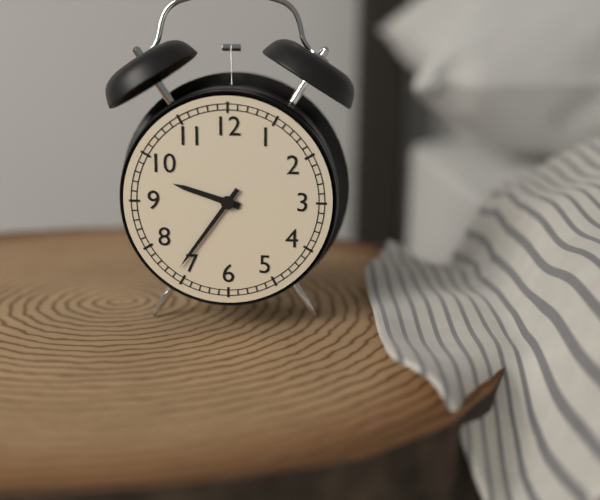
9,36
